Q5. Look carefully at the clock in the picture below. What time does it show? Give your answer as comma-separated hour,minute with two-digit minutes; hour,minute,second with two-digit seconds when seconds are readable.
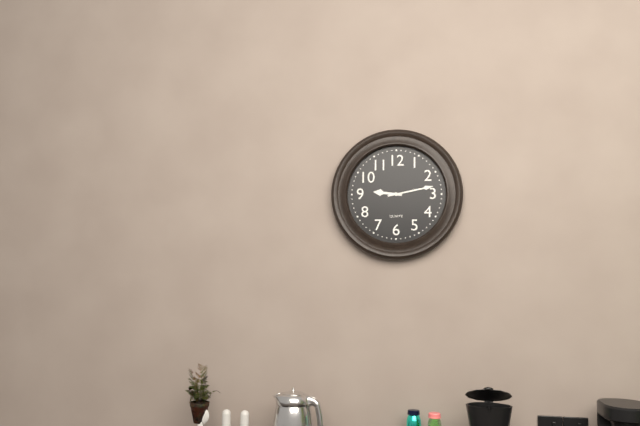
9,13
